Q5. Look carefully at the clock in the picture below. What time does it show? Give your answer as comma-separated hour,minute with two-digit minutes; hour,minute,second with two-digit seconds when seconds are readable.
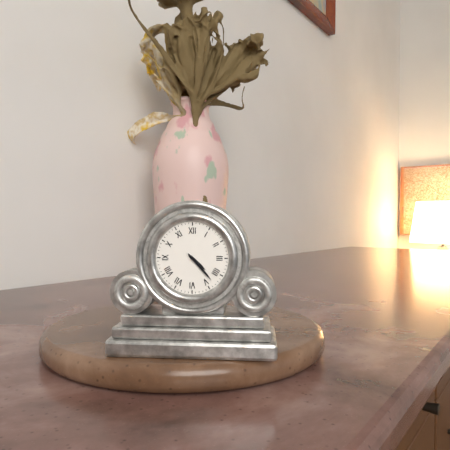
4,23
